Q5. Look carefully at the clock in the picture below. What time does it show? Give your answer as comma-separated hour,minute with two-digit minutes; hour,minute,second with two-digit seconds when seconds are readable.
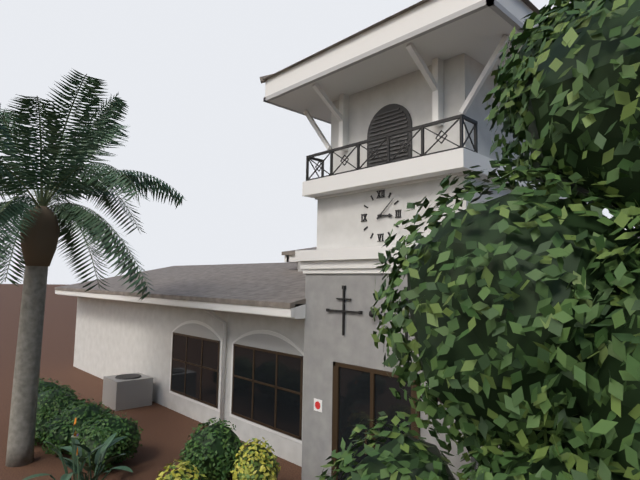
3,08
